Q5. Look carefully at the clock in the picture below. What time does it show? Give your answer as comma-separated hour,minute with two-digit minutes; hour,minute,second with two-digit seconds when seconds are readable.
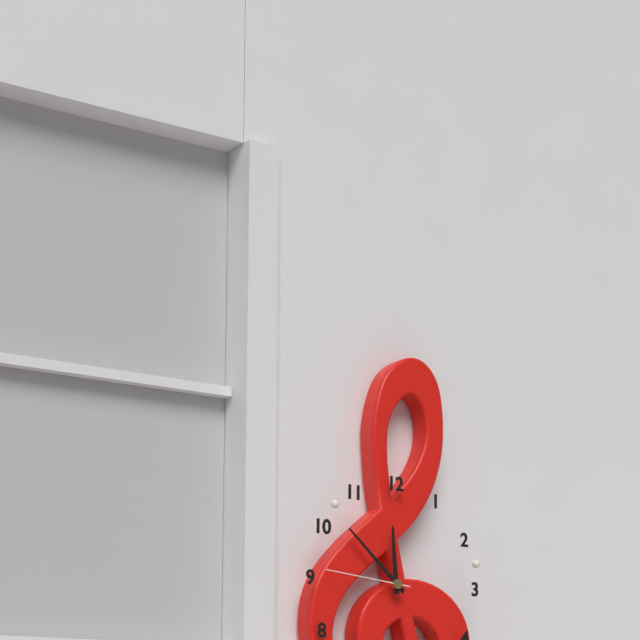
11,52,46
